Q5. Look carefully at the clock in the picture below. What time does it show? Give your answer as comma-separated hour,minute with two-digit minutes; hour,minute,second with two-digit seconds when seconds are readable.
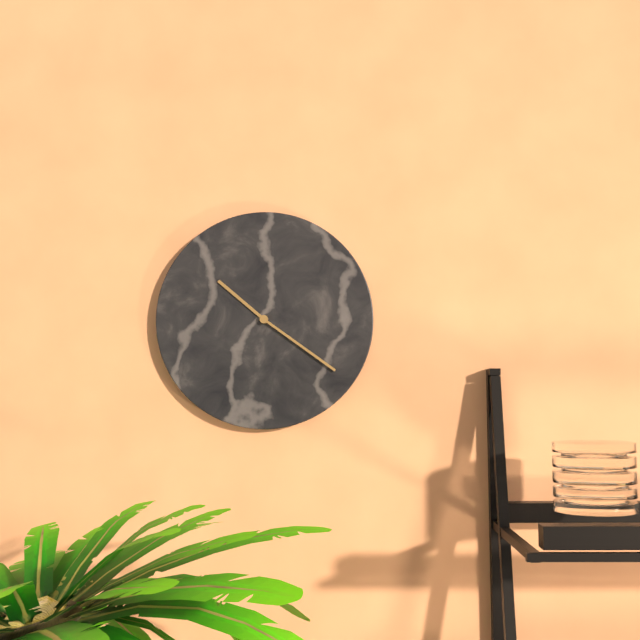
10,21
